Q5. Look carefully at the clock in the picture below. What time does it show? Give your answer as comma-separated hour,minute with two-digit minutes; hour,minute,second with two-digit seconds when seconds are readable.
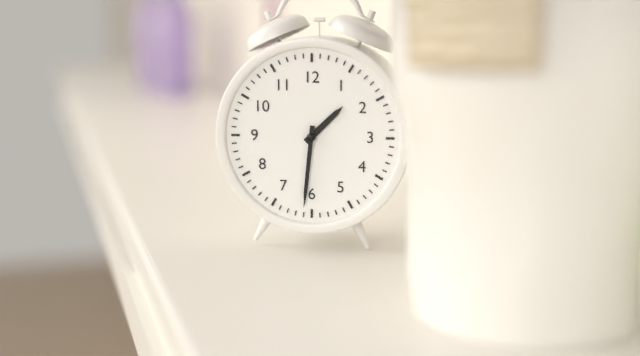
1,31
